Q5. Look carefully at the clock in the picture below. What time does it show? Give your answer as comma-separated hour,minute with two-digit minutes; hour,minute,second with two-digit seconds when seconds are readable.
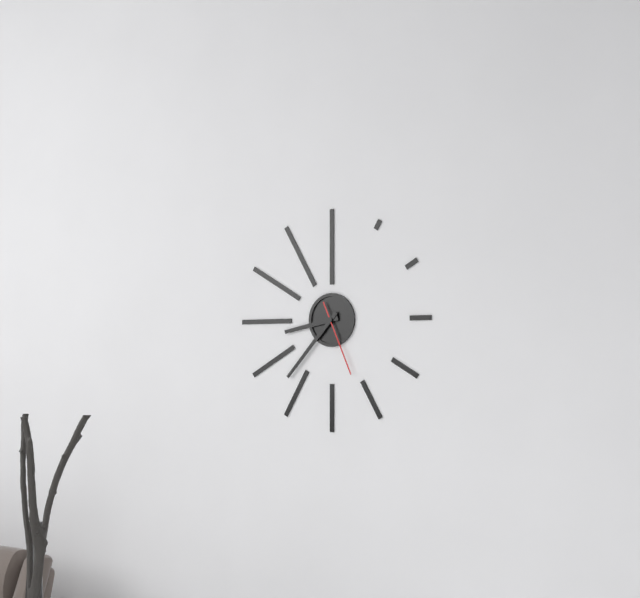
8,37,26
